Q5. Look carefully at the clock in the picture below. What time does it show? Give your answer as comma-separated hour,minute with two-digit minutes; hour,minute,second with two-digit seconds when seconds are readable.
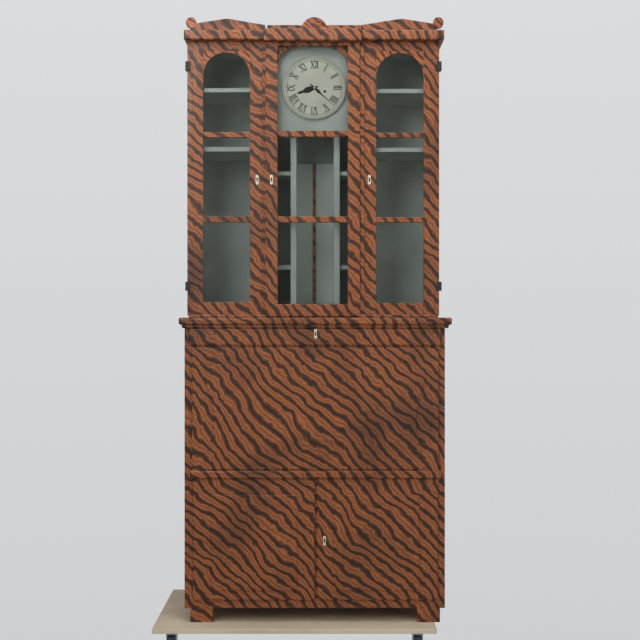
8,22
